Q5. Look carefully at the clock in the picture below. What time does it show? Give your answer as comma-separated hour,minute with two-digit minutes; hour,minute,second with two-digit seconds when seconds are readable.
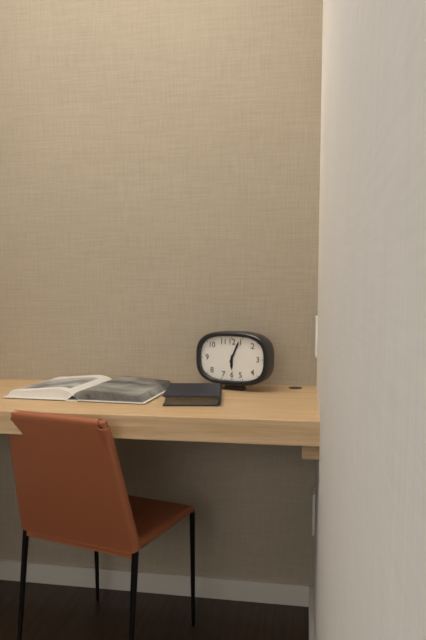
6,04
